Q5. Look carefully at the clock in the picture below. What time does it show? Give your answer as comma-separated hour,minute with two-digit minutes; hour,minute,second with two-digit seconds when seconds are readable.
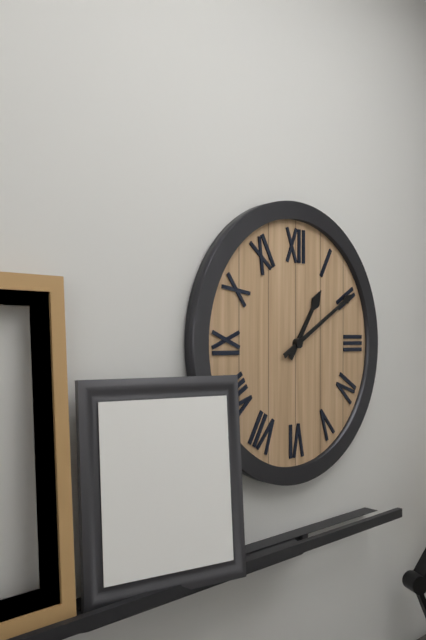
1,10
